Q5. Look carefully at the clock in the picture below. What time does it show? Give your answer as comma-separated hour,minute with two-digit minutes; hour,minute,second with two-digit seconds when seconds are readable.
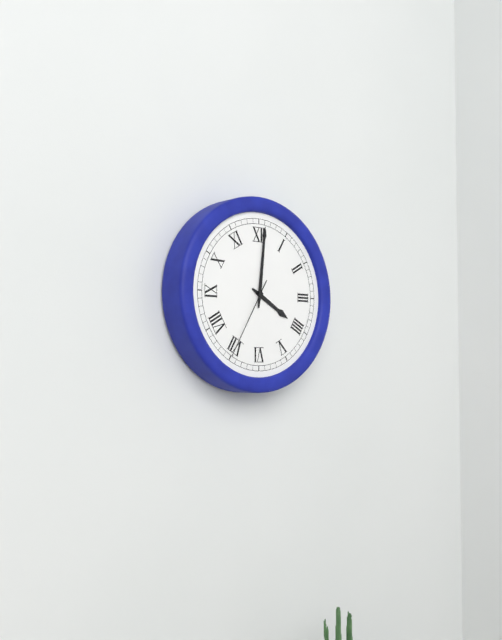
4,01,35
